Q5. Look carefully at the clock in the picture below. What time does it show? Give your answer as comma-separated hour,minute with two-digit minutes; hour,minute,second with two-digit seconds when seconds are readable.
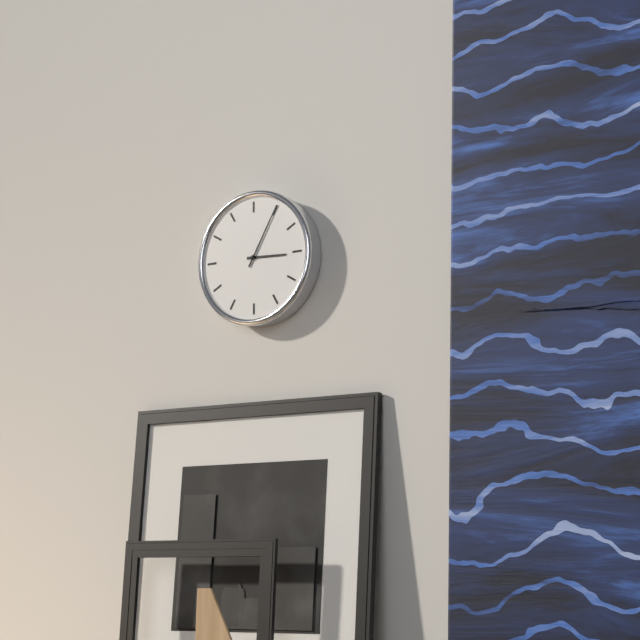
3,05
